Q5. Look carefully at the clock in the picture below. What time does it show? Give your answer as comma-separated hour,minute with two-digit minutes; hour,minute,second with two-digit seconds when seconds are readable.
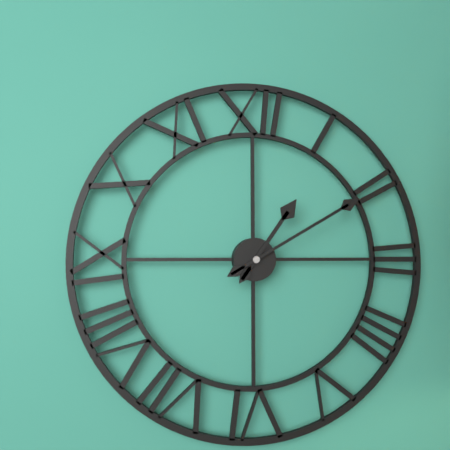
1,10
